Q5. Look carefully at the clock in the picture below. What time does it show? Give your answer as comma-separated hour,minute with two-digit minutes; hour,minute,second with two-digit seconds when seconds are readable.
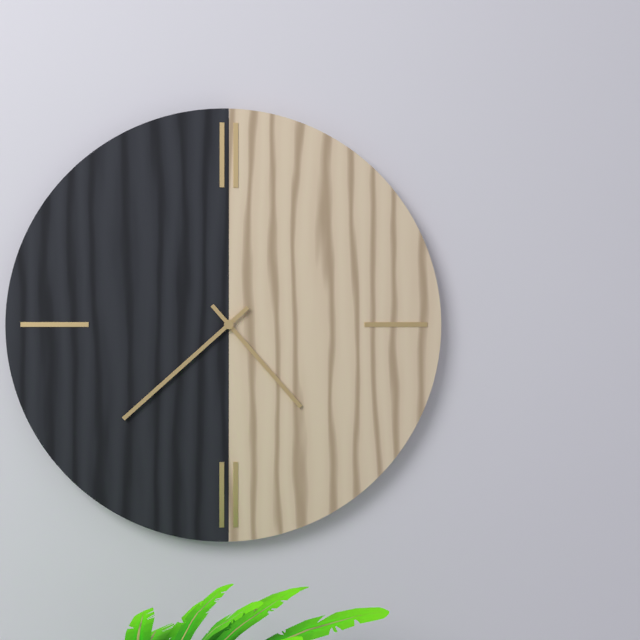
4,38
